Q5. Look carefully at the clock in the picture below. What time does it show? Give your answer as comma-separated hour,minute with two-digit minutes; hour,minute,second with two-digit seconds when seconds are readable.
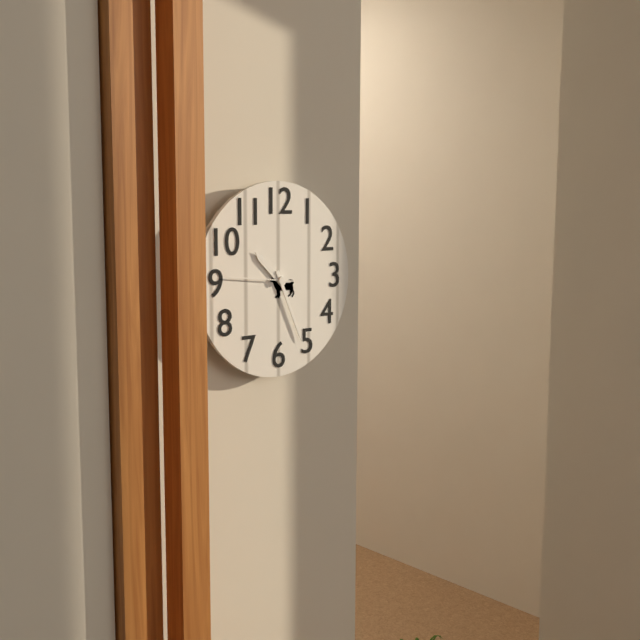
10,26,46
